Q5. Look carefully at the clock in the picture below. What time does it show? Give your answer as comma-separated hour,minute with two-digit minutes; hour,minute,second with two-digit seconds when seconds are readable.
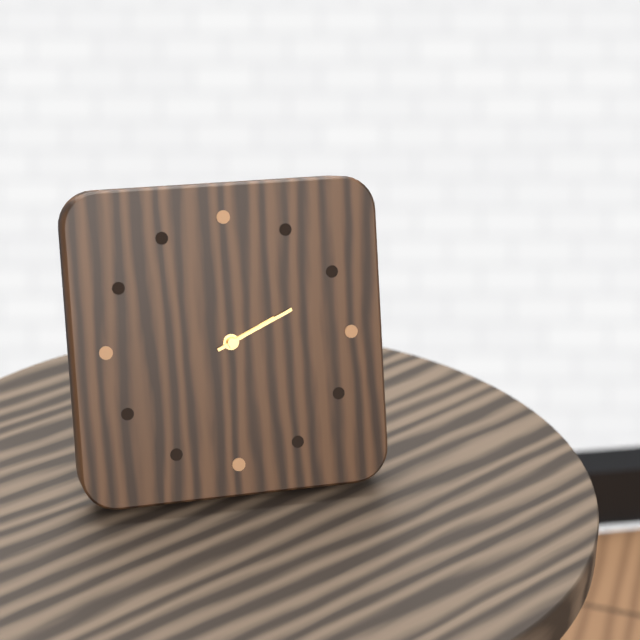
2,11
